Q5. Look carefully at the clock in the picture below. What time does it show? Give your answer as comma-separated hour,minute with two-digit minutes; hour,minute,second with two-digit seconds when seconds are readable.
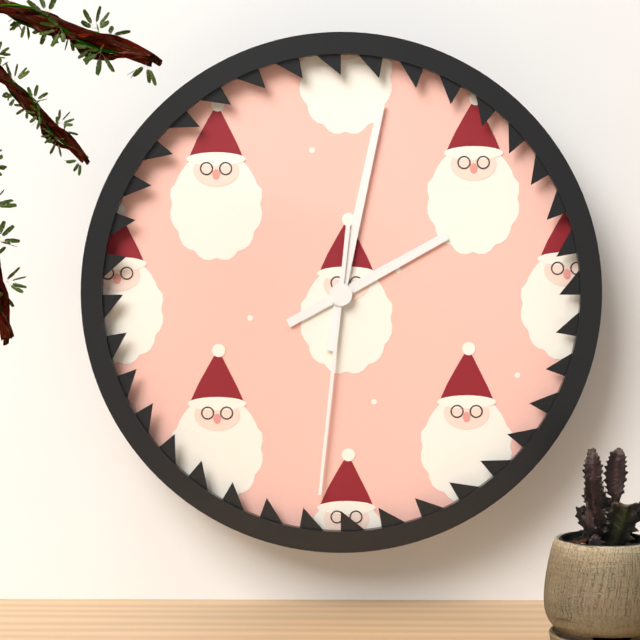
2,02,31
